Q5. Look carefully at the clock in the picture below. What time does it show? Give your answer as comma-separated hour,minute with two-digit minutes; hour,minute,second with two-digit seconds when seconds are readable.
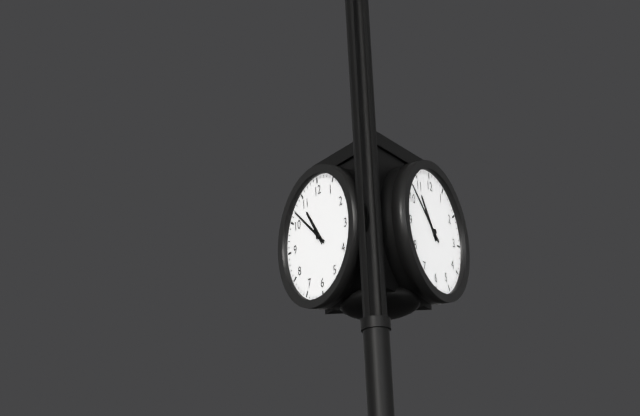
10,52
